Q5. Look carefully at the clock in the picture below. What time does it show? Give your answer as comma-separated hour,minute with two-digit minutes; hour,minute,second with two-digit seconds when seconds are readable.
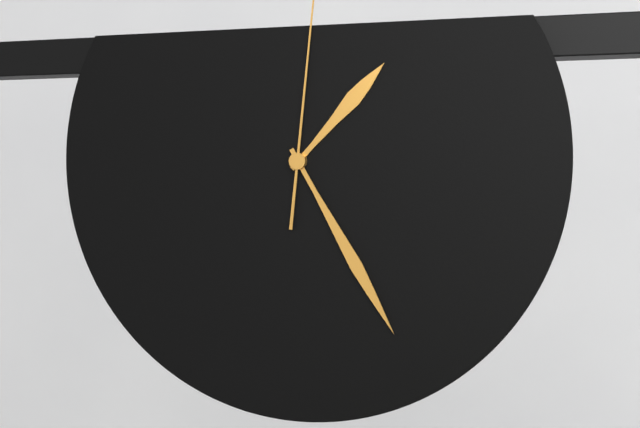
1,25
